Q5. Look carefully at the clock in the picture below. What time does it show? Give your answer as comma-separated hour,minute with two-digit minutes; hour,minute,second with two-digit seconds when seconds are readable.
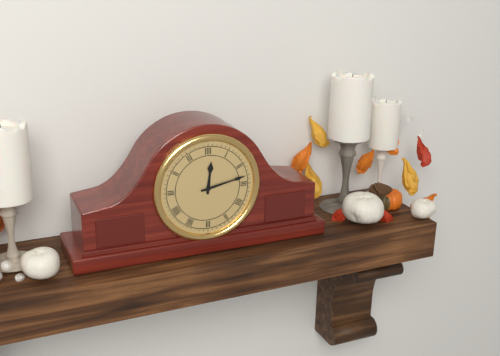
12,13
